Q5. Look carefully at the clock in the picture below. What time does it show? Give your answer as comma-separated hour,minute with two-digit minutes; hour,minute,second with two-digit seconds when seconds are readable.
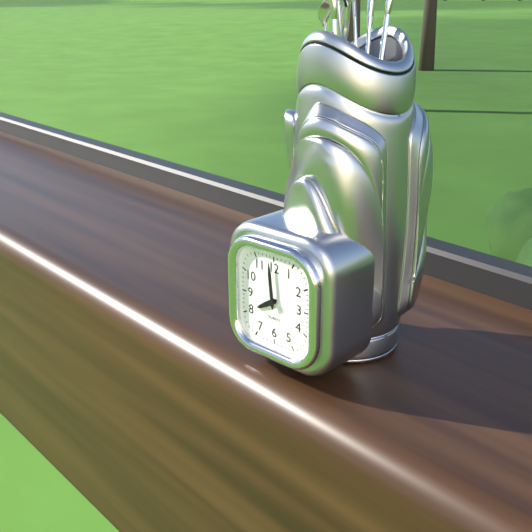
7,59
